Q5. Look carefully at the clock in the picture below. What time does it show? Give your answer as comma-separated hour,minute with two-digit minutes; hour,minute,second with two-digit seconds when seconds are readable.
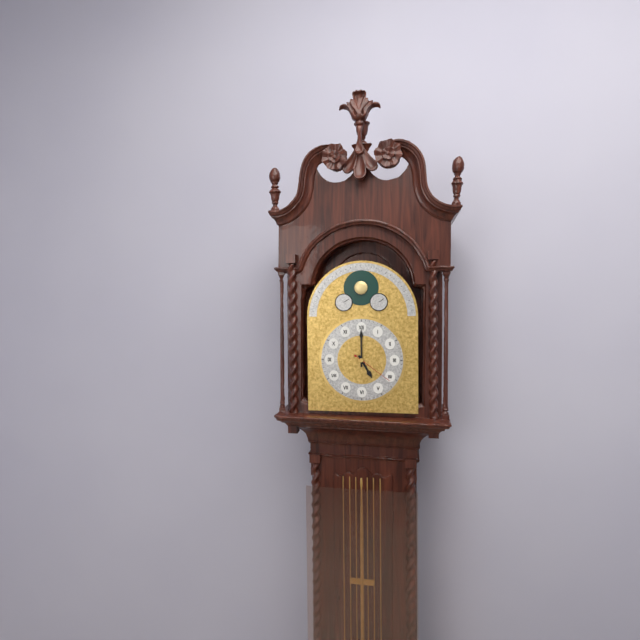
5,00
